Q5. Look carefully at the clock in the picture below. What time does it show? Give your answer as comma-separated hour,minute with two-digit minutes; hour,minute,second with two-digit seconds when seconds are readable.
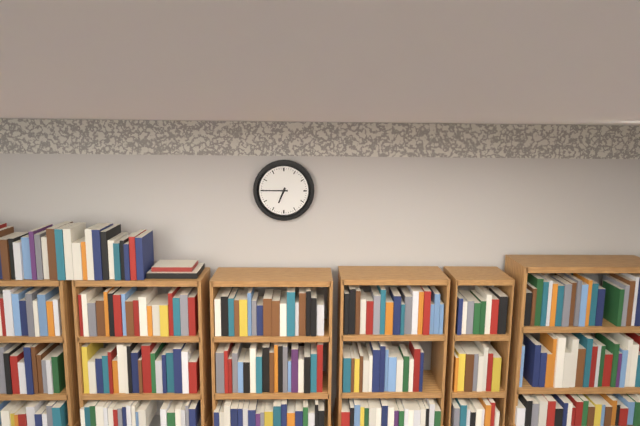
6,45
